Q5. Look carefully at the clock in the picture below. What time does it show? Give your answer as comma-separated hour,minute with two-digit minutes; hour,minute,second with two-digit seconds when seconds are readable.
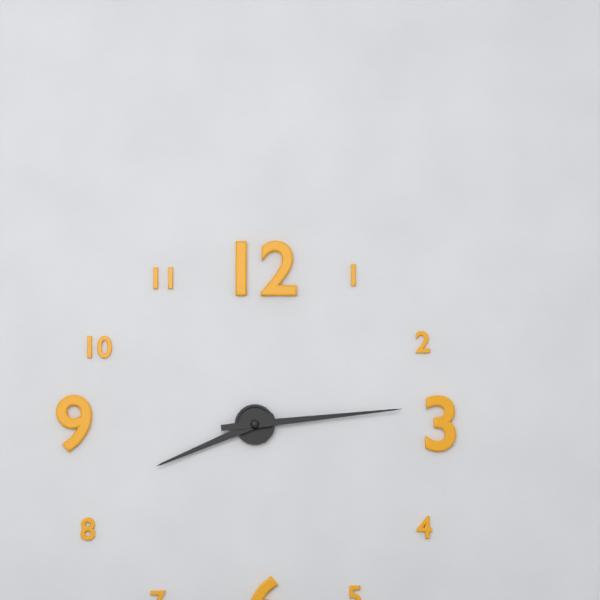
8,14
